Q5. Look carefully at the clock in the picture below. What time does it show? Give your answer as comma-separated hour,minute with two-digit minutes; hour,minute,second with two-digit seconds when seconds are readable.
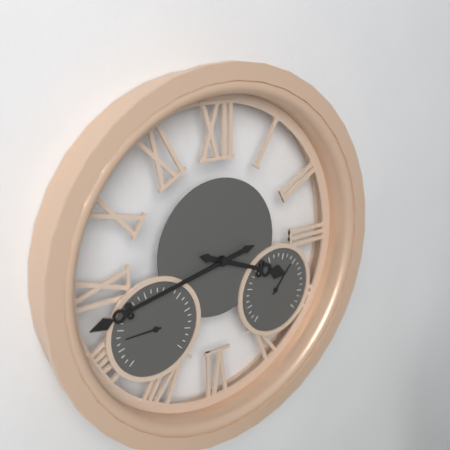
3,43
